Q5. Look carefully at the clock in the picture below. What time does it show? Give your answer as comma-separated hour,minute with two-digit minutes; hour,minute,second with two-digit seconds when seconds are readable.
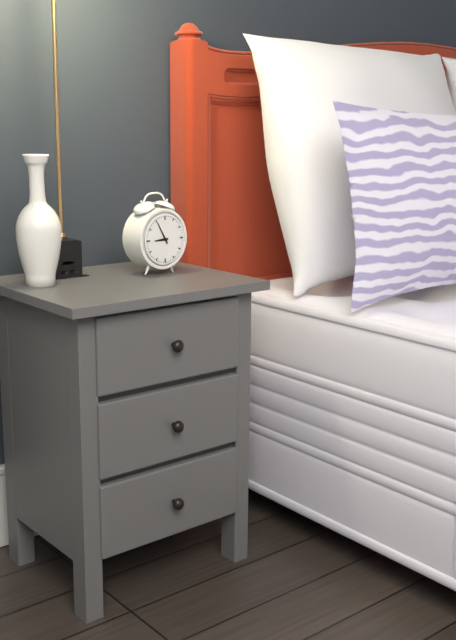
8,55
